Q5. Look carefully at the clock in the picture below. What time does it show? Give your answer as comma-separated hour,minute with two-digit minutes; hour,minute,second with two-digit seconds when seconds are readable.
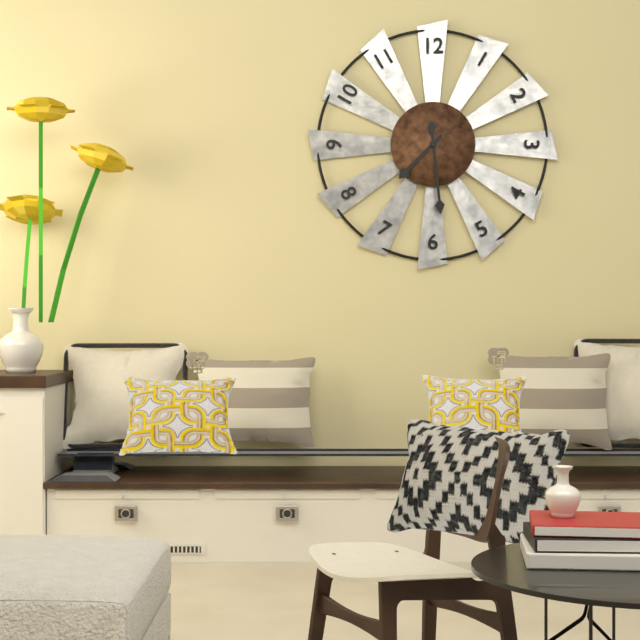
7,29
